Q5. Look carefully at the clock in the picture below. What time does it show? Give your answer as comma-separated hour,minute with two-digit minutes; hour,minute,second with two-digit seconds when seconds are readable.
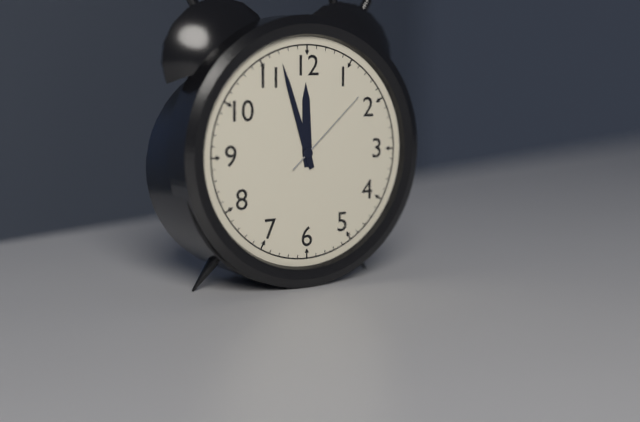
11,57,08
